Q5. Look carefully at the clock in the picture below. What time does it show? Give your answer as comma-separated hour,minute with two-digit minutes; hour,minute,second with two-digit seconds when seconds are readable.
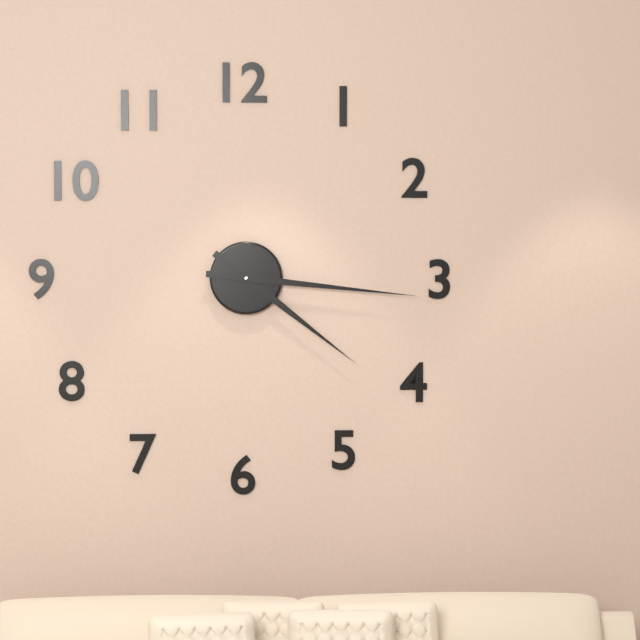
4,16
